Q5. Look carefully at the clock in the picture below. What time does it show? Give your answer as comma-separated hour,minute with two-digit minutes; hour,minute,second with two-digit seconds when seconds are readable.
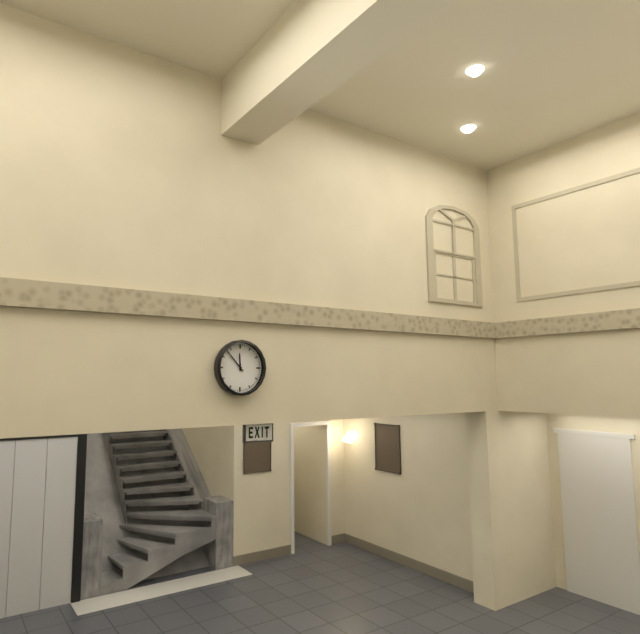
11,53
